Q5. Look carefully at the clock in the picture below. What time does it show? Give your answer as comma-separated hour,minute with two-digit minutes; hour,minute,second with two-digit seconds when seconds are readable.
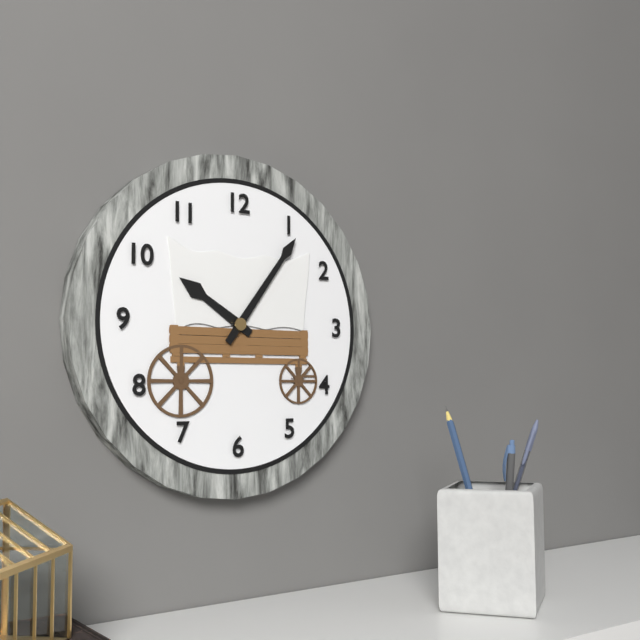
10,06
